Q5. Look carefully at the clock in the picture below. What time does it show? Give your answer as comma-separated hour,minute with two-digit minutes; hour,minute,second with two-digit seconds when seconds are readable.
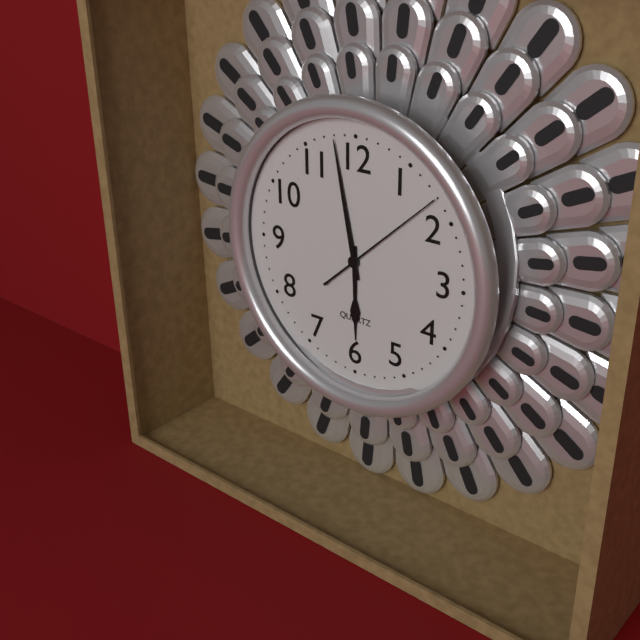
5,58,08
